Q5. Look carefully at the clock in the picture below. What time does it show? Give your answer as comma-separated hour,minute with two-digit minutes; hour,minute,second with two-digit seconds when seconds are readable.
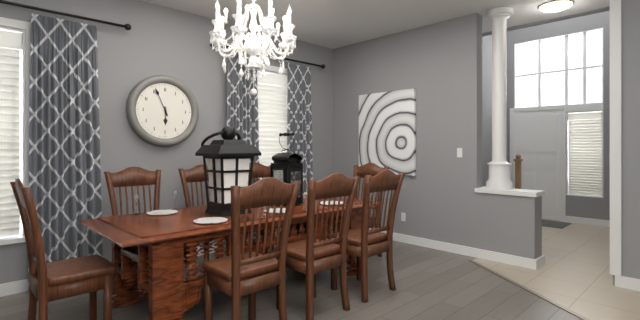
5,56
